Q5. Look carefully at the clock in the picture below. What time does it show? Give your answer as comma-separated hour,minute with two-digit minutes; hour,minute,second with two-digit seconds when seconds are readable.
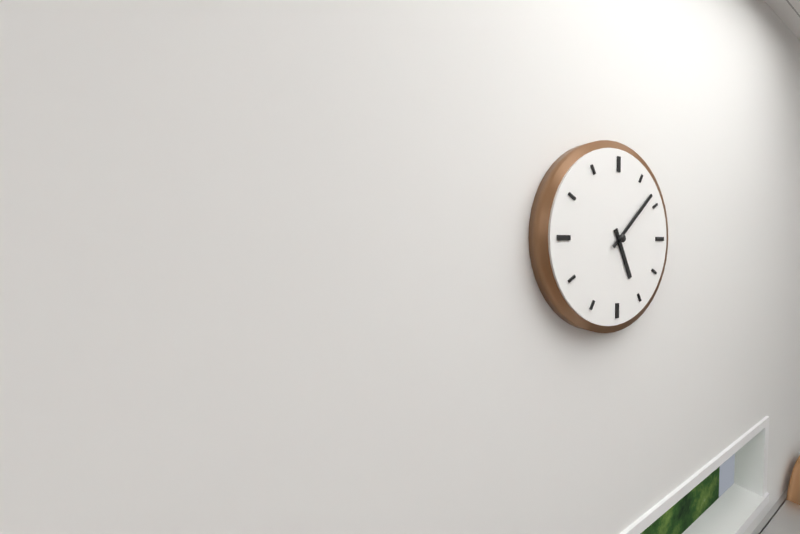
5,08
